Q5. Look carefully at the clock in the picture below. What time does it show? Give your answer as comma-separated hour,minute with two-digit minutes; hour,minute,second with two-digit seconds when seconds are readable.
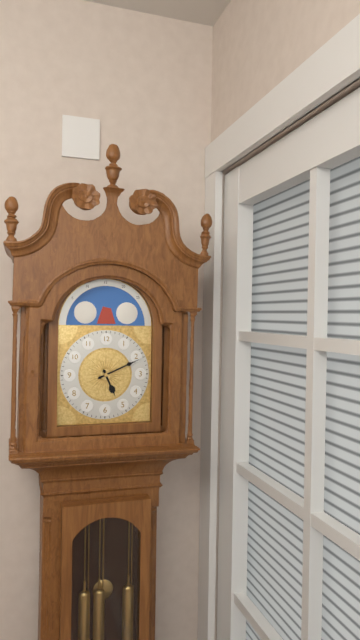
5,11
